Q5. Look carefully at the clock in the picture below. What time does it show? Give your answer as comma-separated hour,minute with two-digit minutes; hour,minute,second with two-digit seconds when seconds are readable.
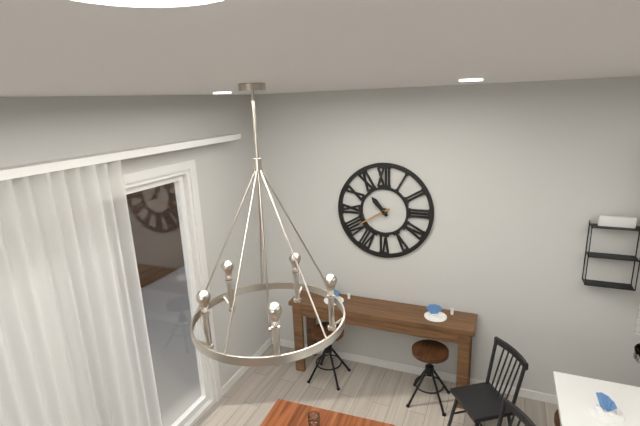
10,40
